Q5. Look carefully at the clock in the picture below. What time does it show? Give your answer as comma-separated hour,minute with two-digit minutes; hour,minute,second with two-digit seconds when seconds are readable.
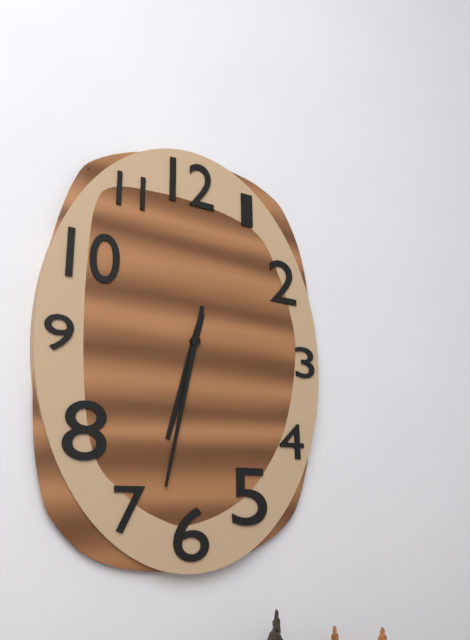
6,32
